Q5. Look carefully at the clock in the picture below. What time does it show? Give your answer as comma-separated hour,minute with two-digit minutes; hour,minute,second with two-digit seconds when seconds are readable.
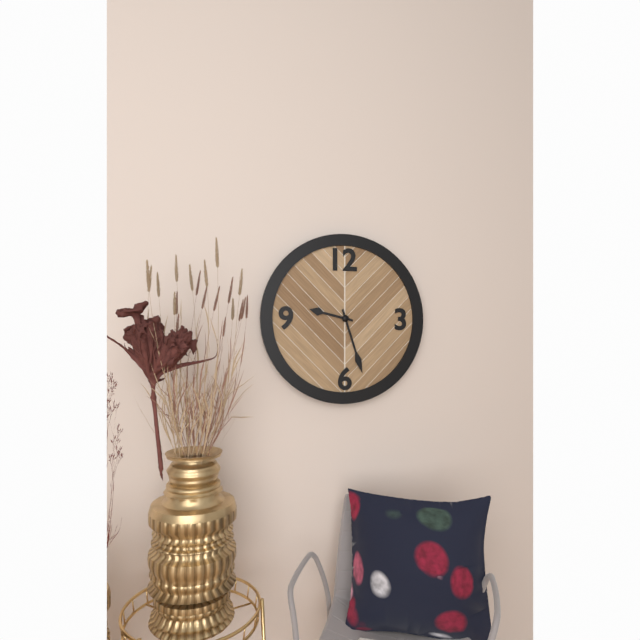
9,27
